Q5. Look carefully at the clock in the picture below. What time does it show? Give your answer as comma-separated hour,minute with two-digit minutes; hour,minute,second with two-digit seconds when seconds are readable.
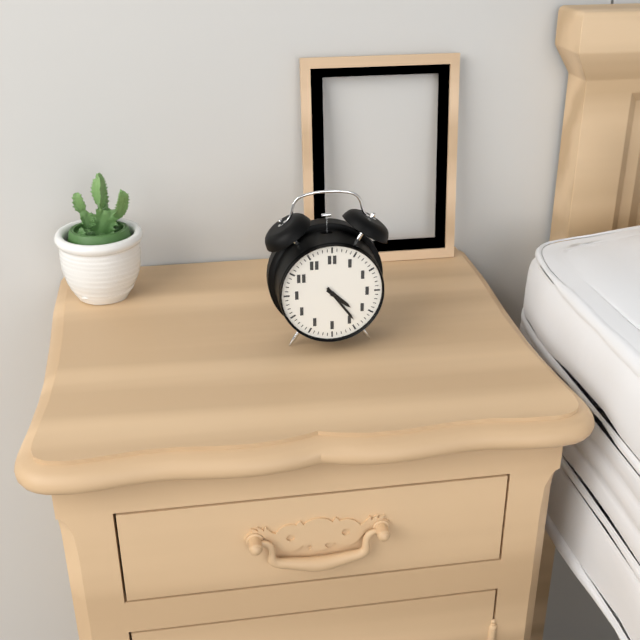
4,24
